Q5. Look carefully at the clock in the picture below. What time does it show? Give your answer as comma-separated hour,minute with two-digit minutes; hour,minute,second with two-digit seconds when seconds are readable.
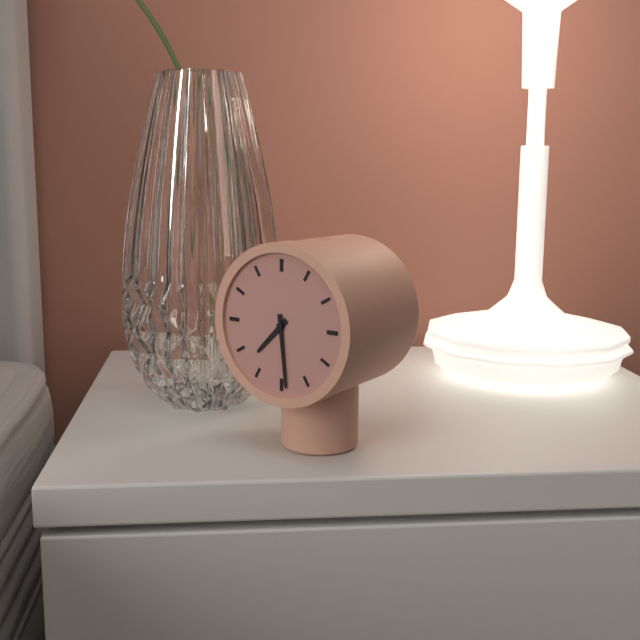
7,29
